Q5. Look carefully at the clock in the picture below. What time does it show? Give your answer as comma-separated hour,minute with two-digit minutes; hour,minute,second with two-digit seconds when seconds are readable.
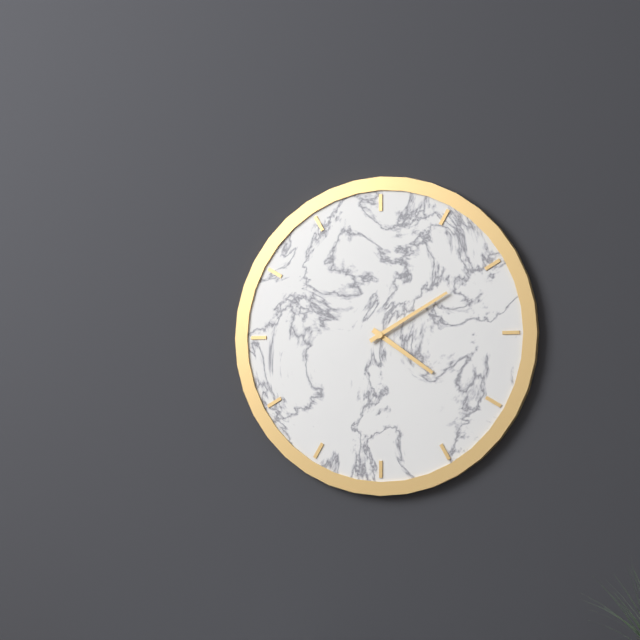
4,10
